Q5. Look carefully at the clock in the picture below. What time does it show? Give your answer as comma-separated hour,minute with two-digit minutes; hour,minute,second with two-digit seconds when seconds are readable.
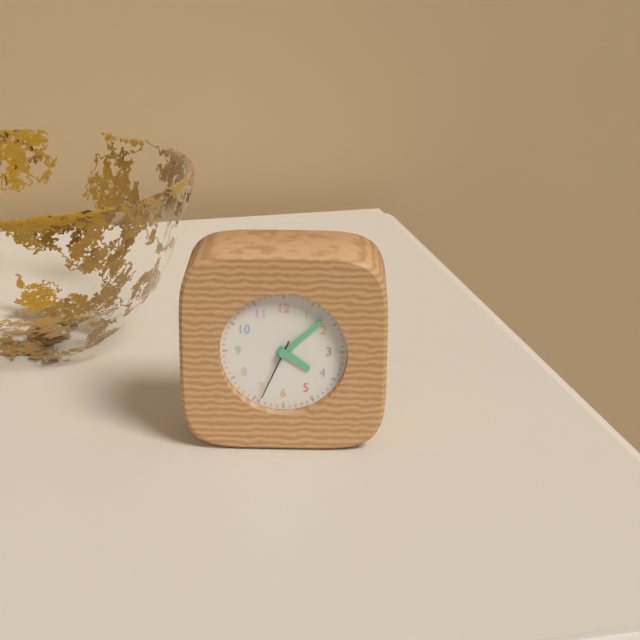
4,08,34
